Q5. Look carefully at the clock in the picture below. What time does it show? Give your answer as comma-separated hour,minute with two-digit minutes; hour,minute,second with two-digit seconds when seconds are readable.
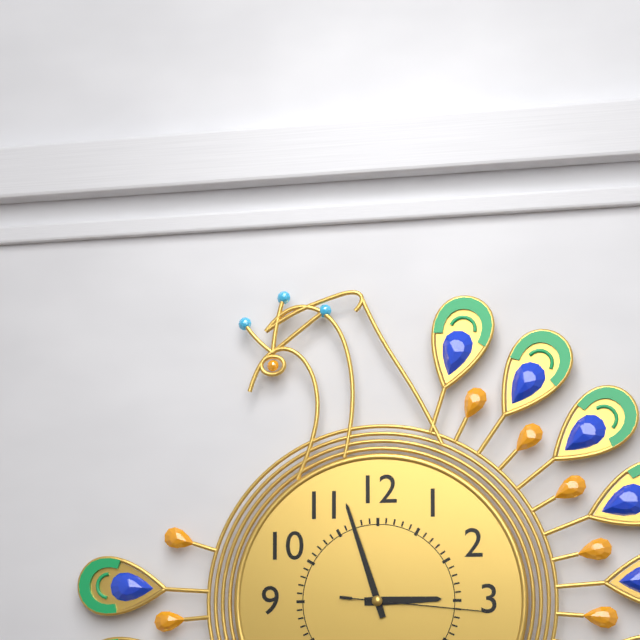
2,57,16
